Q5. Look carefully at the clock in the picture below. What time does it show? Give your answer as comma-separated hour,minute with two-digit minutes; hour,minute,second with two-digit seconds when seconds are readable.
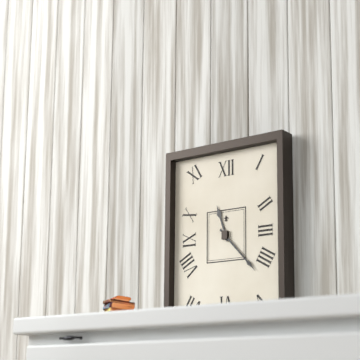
11,23
